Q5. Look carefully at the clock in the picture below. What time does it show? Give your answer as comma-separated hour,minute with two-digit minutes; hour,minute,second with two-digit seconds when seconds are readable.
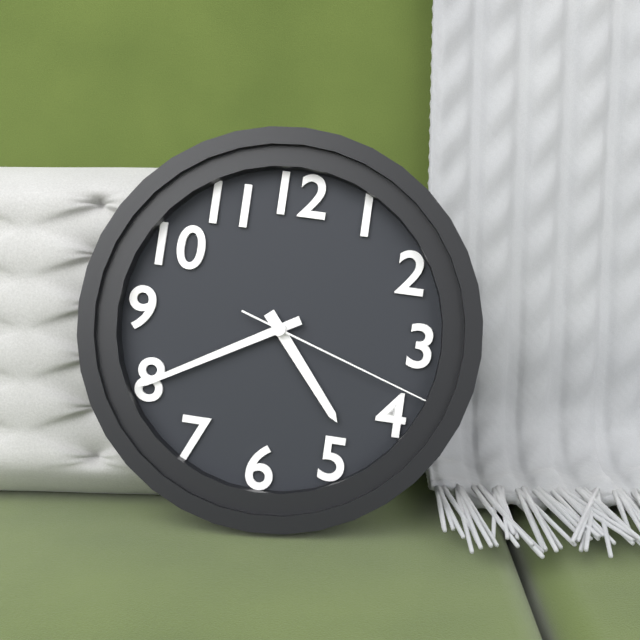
4,40,18
